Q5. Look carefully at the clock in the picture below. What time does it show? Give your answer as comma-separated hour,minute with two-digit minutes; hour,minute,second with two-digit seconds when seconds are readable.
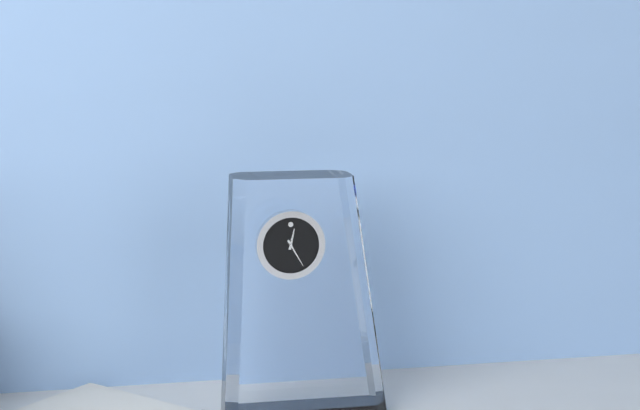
12,25
